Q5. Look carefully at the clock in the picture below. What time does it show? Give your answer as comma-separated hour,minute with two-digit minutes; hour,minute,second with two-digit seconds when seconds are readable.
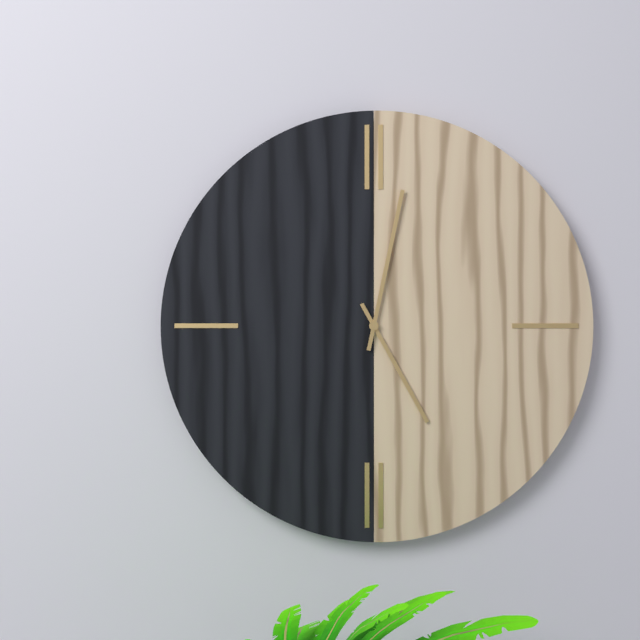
5,02
